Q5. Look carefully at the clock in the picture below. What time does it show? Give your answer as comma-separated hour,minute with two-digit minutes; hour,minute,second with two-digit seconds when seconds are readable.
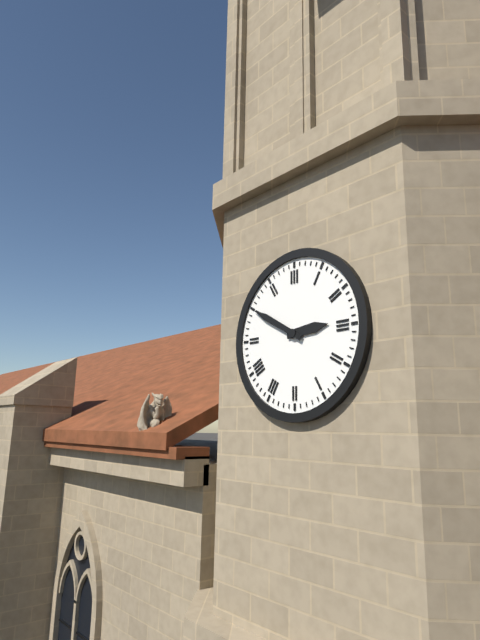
2,50
